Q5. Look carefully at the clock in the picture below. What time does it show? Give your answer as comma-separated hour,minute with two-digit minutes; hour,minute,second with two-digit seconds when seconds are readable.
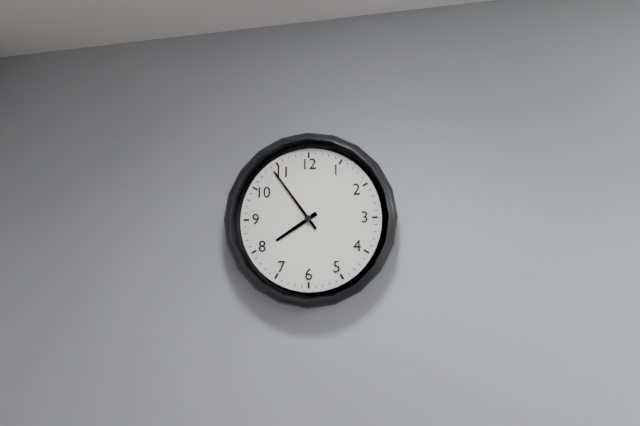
7,54
